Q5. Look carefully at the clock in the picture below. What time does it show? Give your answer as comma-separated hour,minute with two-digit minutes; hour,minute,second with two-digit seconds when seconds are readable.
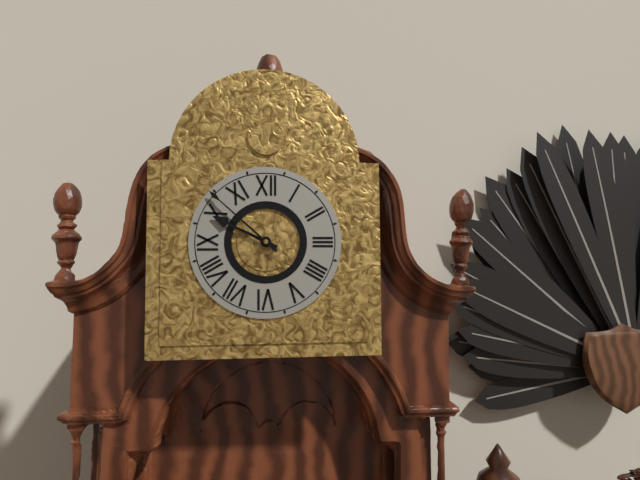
9,52
